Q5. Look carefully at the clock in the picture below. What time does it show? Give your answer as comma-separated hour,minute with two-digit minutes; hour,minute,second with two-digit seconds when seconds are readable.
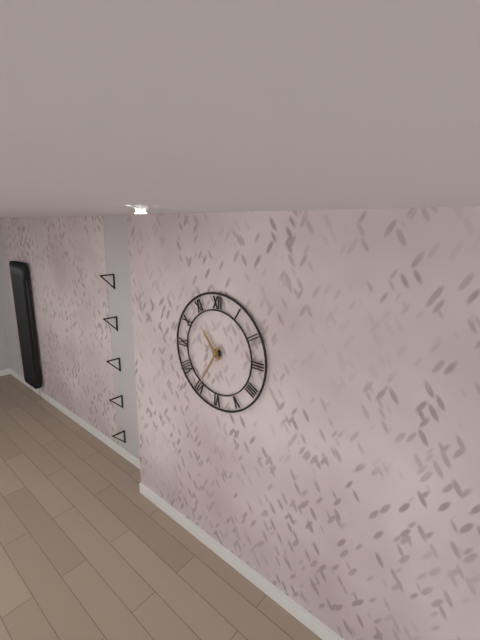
10,35
